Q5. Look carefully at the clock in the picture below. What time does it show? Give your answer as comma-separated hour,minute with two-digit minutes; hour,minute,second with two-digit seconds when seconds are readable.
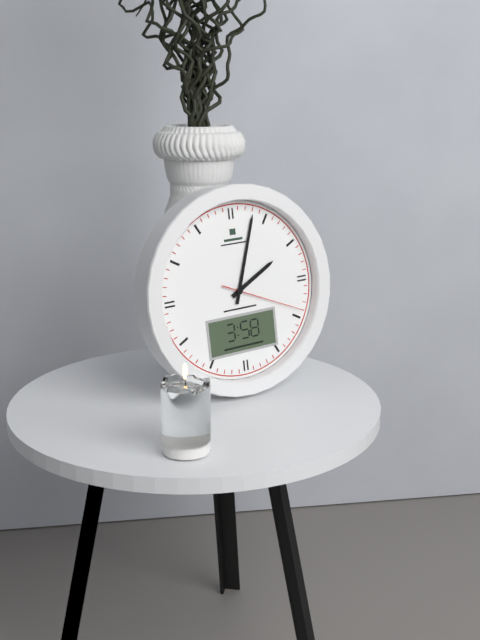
2,03,19
